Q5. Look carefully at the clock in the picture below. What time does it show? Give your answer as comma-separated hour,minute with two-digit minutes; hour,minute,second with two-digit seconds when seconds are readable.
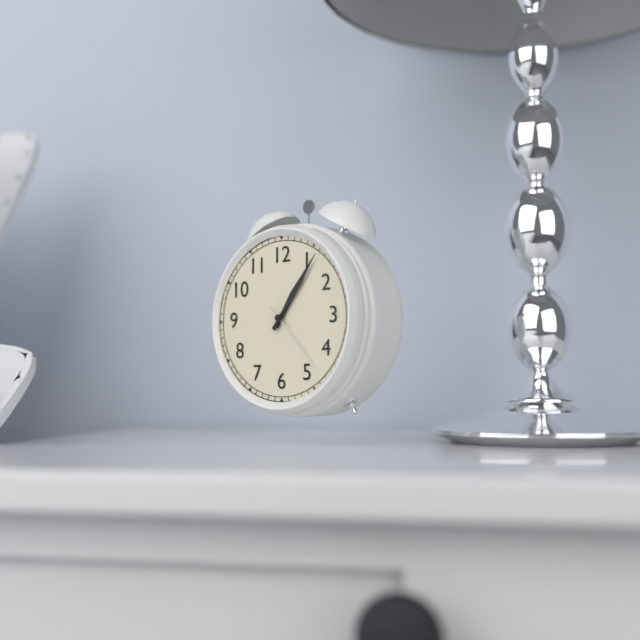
1,06,23
